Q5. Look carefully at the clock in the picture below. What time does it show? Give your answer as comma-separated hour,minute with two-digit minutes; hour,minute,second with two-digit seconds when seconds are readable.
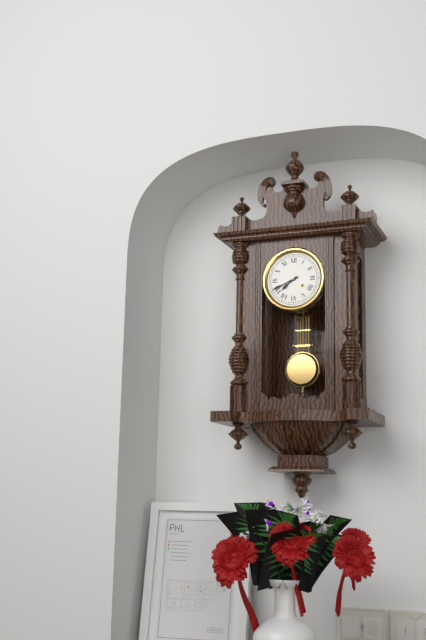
7,41
